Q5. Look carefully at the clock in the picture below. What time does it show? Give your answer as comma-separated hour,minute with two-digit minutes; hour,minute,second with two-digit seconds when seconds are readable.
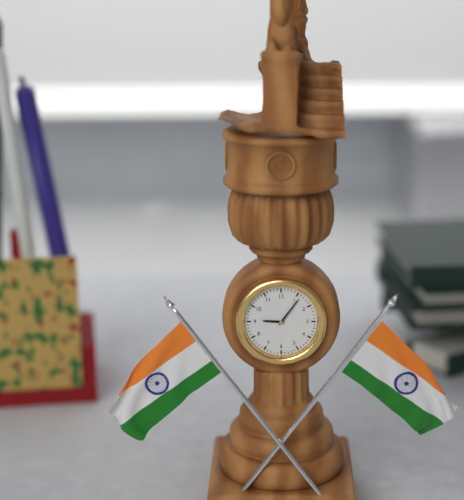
9,06
